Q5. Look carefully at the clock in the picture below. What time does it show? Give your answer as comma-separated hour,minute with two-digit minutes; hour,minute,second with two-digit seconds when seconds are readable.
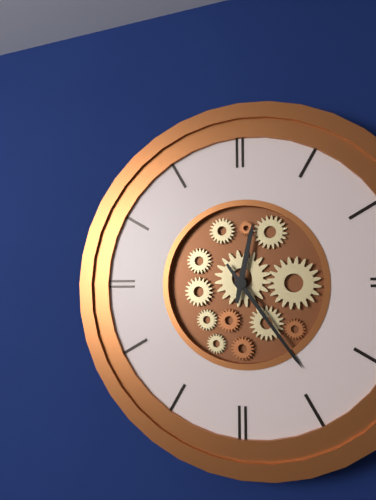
12,24
